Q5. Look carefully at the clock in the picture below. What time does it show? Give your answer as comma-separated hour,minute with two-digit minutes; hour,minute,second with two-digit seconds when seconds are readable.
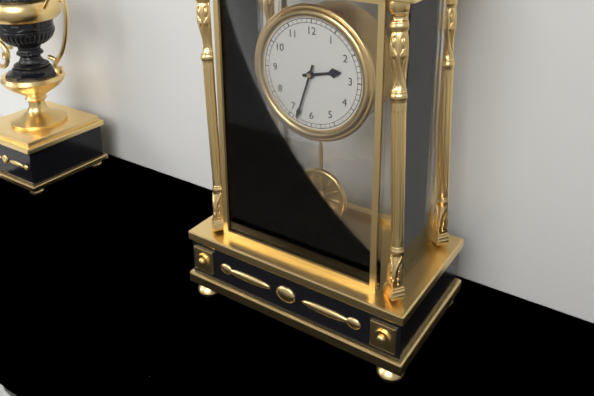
2,33
